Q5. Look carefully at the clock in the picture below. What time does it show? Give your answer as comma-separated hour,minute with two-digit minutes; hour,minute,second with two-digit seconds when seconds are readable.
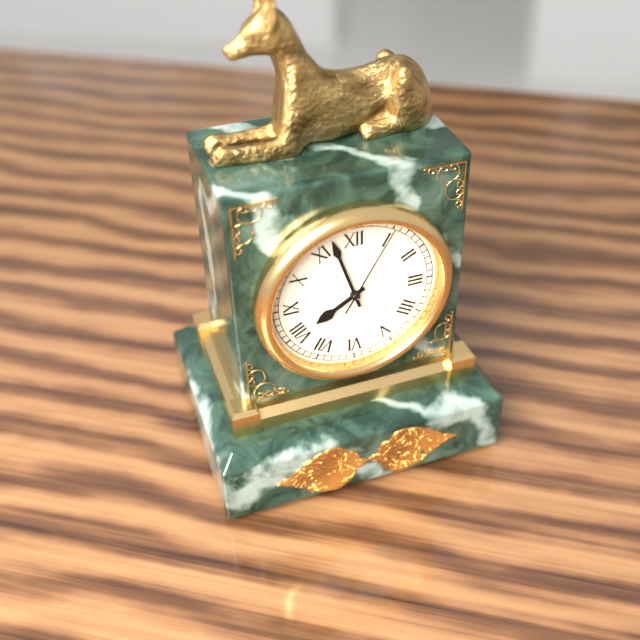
7,57,05
